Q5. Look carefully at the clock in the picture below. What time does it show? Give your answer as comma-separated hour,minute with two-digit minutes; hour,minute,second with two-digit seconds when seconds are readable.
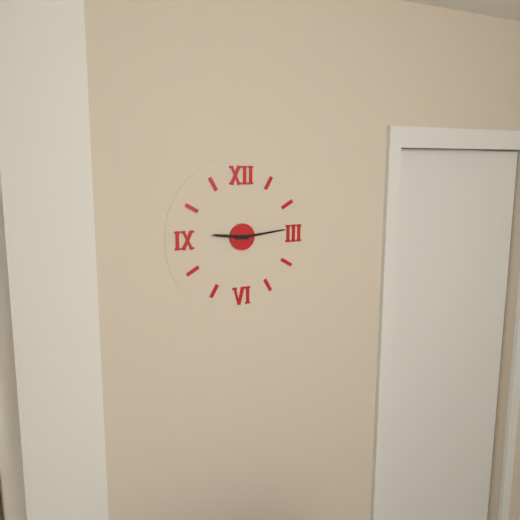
9,14
